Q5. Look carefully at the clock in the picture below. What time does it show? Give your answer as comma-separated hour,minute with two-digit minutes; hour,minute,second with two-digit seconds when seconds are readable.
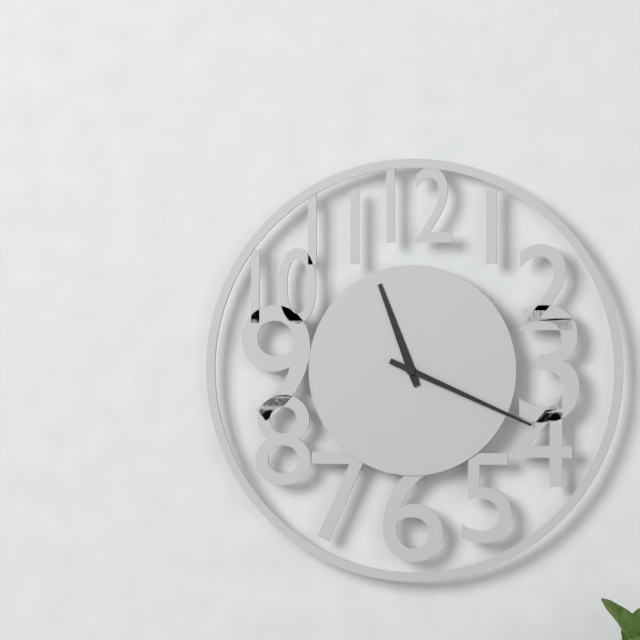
11,19
